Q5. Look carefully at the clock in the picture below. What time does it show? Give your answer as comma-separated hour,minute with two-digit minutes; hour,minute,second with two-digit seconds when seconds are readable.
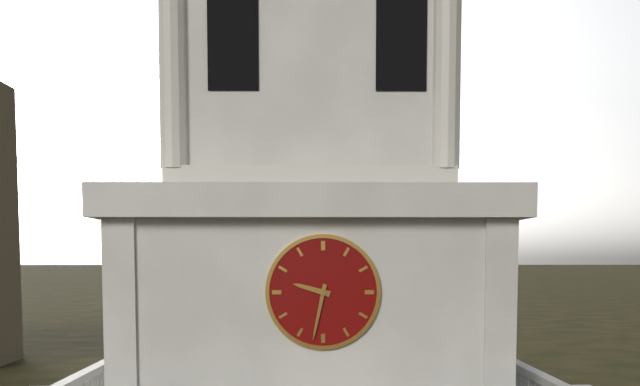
9,32
